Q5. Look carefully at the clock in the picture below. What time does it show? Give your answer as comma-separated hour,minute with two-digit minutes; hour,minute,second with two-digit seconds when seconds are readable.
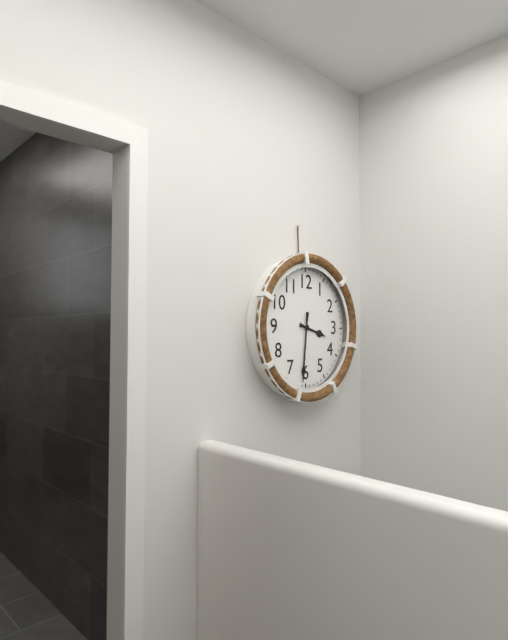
3,31
